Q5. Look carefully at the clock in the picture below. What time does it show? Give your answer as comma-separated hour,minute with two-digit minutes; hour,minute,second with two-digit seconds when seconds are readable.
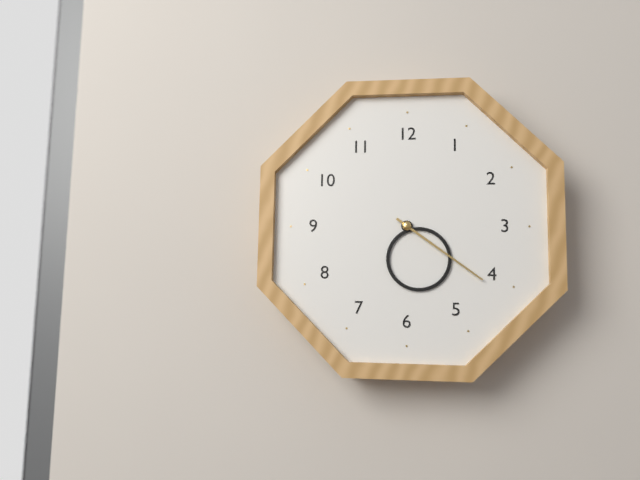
5,21
